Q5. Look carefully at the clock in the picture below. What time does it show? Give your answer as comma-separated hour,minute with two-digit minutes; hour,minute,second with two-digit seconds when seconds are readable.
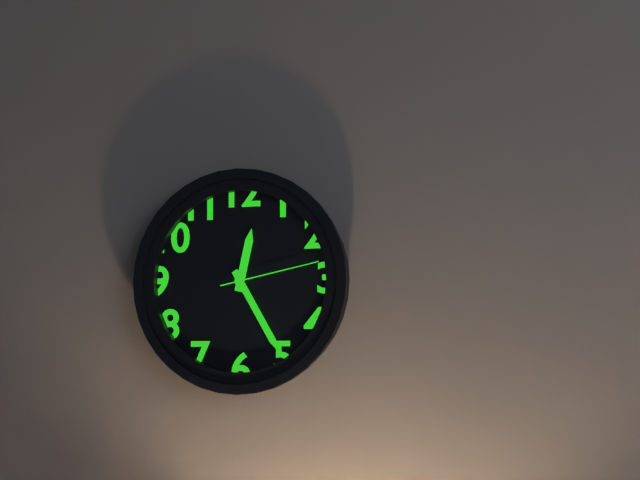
12,25,13
